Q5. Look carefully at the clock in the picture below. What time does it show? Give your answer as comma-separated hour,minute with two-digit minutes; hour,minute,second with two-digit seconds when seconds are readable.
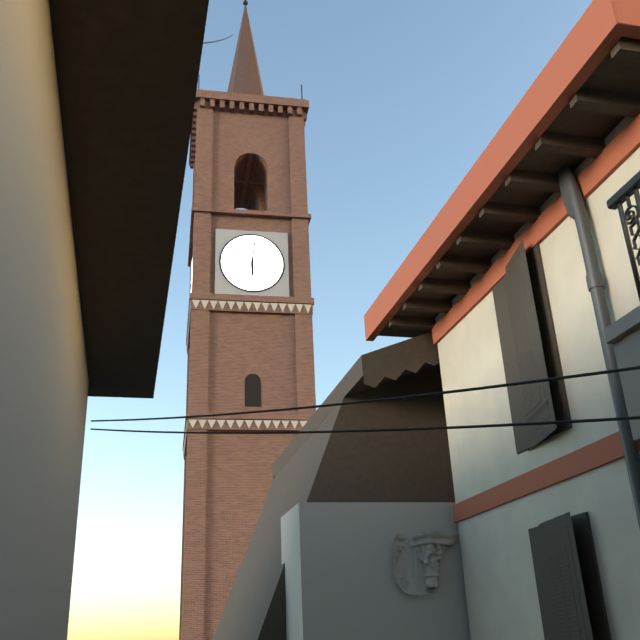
6,01
